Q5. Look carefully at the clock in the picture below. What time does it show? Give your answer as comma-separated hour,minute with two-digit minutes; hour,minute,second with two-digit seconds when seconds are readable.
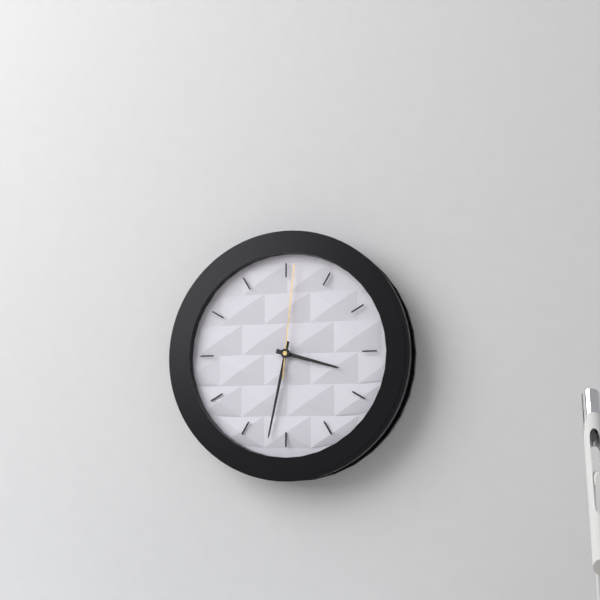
3,32,01
